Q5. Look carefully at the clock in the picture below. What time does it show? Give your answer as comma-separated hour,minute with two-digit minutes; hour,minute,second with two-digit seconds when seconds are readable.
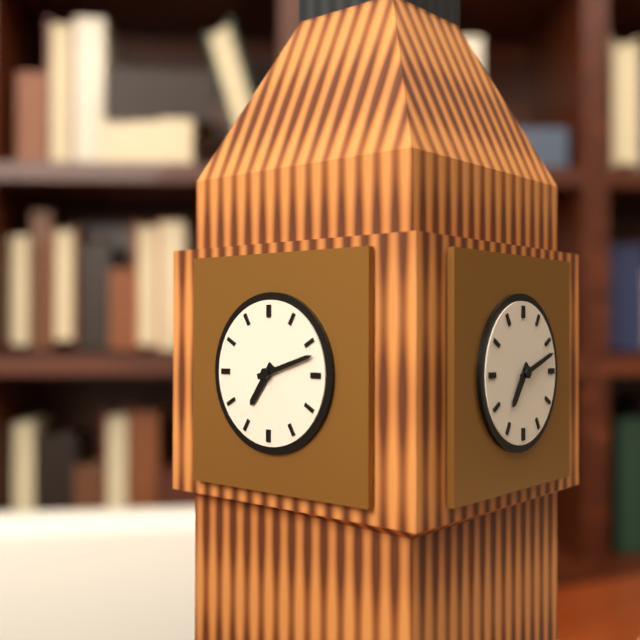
7,12
